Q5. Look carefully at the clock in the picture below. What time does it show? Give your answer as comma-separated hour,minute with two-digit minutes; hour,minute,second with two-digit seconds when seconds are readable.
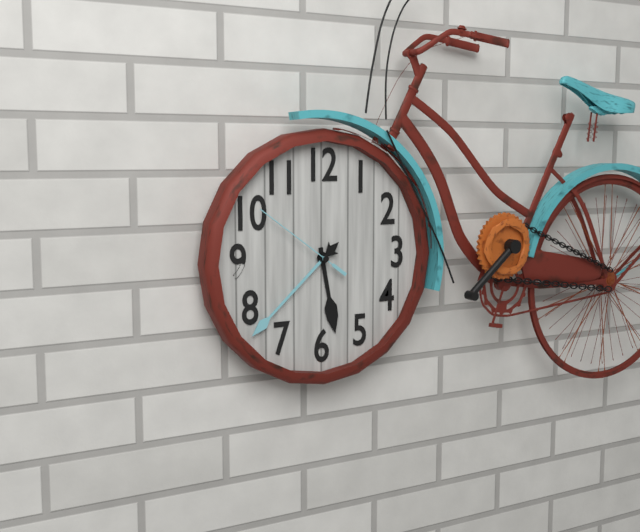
5,38,51
